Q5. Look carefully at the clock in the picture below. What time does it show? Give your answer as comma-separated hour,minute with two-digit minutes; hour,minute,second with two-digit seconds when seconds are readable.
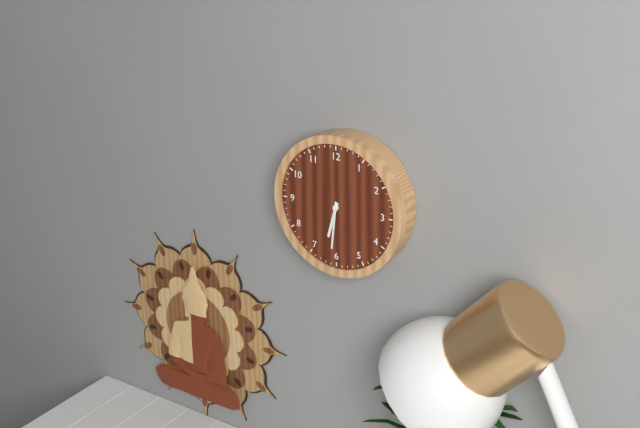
6,31
